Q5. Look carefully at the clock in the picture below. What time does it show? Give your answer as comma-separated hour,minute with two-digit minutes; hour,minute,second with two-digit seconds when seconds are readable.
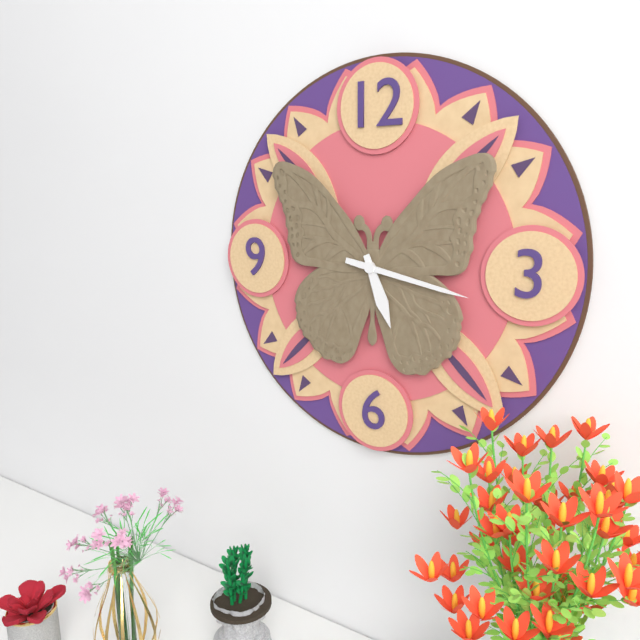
5,17
